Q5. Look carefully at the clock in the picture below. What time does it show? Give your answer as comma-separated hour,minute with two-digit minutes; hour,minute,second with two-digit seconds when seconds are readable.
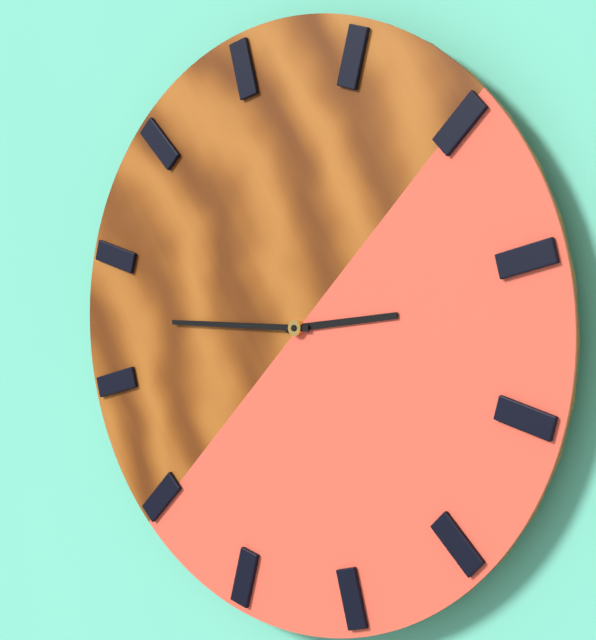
2,45
